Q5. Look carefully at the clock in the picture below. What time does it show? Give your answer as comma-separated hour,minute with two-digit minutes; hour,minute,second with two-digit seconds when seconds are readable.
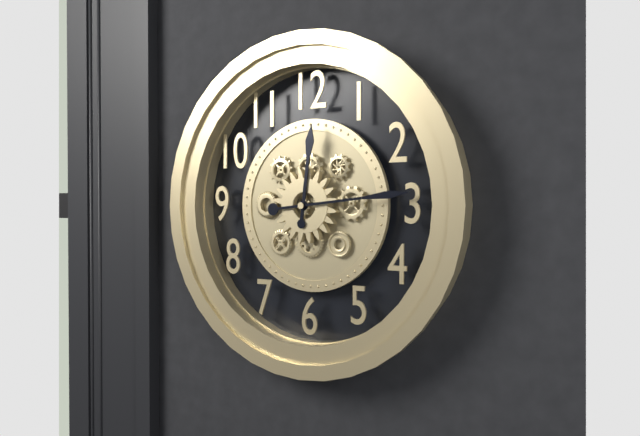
12,14
